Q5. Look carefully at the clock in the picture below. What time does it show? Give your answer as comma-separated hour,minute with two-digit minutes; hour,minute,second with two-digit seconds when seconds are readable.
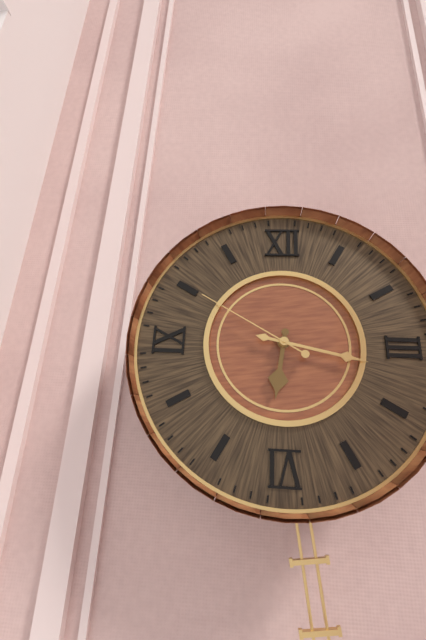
6,17,50
